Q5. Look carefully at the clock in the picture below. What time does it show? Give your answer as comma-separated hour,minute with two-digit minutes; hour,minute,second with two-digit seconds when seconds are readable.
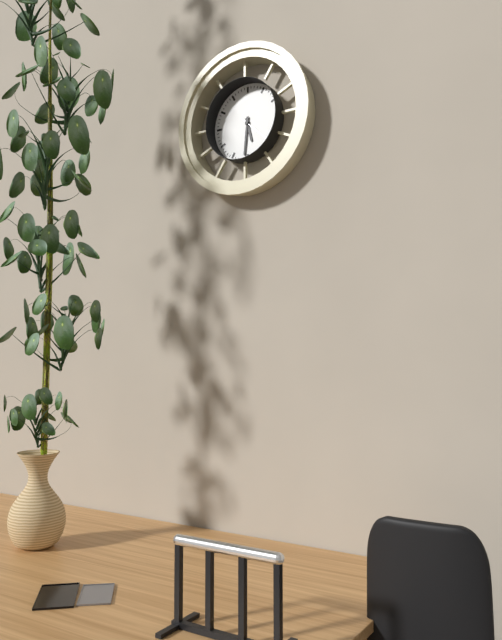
5,31
